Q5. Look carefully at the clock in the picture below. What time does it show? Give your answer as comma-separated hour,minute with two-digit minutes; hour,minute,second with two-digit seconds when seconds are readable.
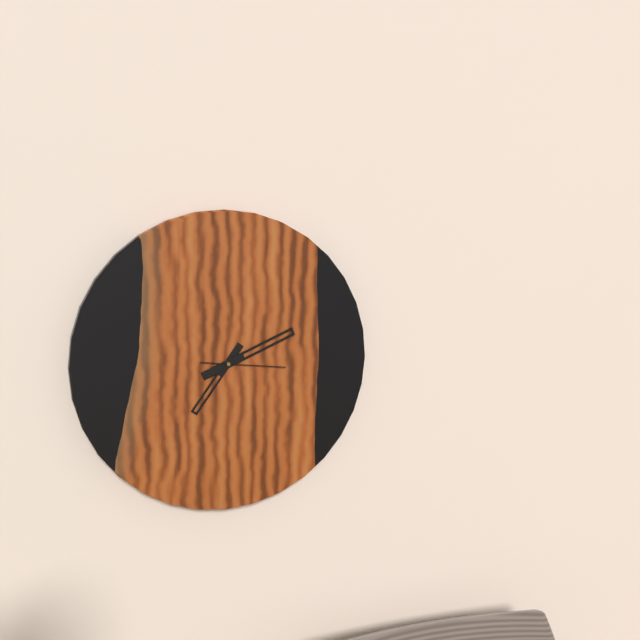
7,11,16
